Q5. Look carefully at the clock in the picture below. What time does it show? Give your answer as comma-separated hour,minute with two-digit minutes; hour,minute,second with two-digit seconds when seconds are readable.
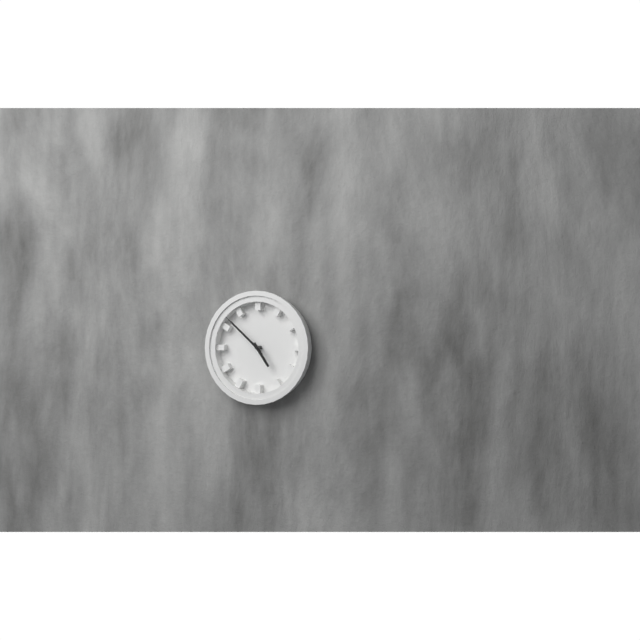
4,52,52
